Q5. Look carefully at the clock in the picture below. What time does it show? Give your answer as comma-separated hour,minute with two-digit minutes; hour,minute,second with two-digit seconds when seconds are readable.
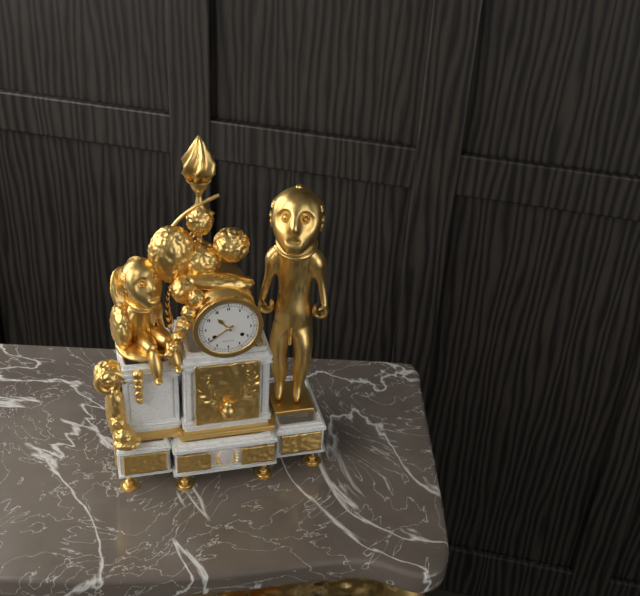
10,39
